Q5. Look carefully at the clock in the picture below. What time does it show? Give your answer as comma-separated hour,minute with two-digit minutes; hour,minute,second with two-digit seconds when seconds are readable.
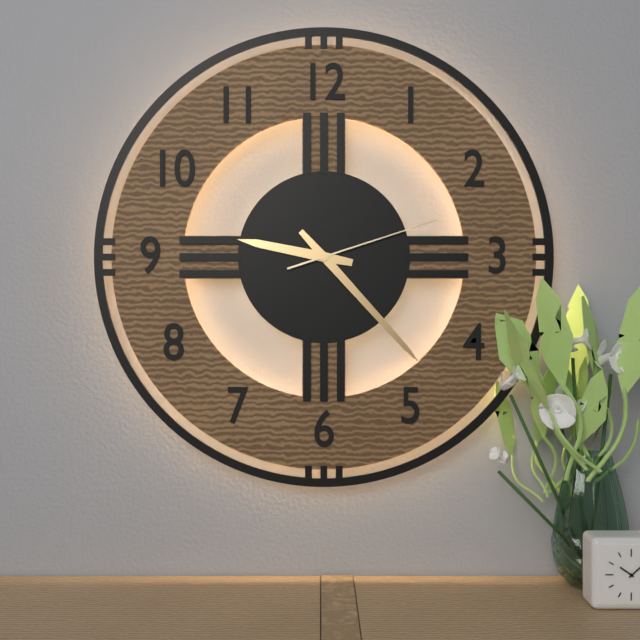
9,23,12
